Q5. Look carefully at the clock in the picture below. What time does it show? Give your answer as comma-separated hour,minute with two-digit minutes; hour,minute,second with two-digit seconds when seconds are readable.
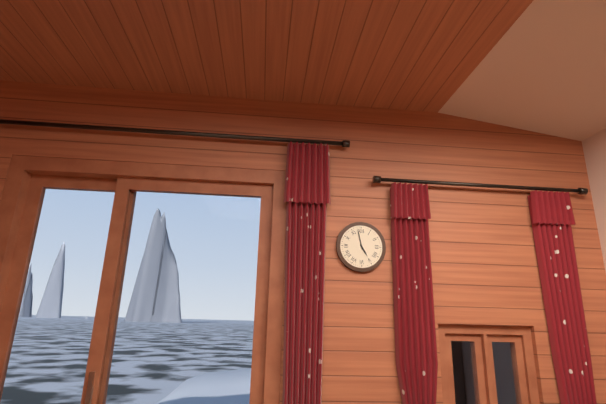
4,58
